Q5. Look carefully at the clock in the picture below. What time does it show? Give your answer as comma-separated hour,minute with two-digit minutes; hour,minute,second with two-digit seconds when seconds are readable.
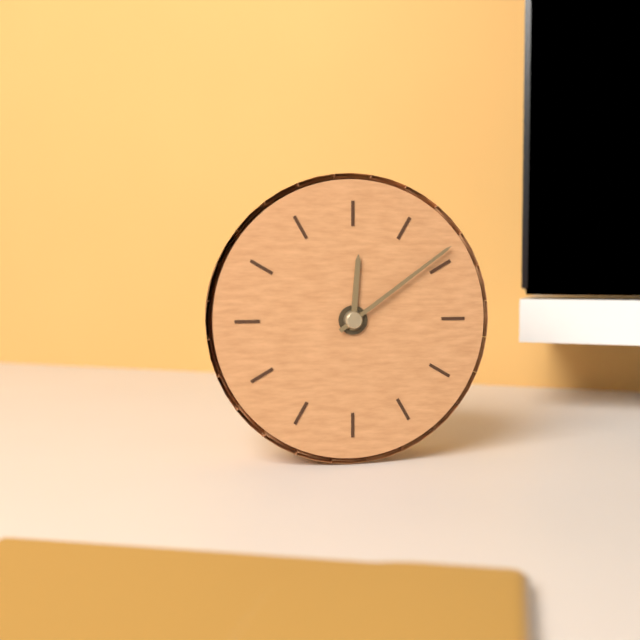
12,09
